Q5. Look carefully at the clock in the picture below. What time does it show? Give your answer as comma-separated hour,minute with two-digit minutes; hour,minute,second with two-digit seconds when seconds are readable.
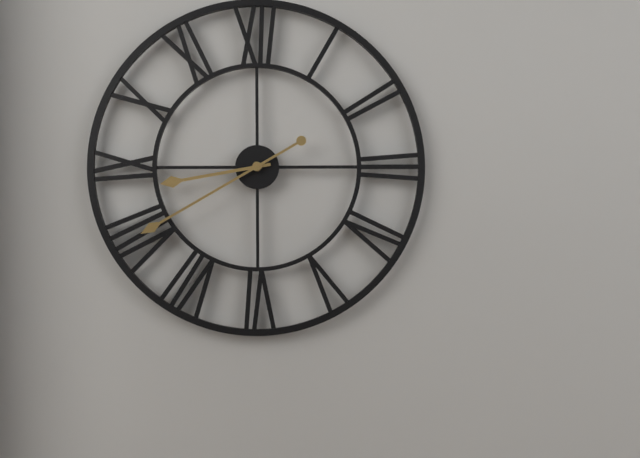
8,40
